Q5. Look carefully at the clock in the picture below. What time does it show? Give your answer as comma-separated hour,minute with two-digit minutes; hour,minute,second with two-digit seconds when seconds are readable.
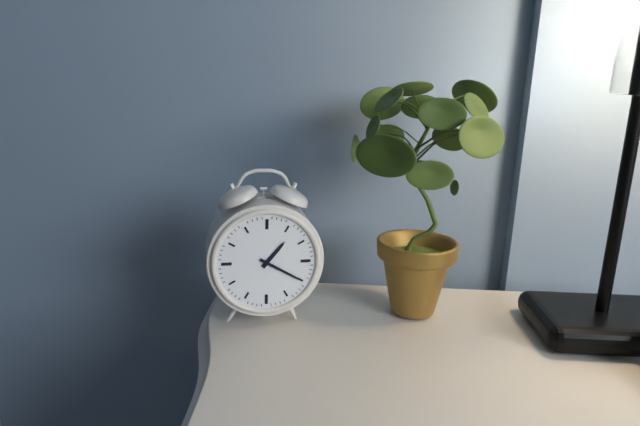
1,20
